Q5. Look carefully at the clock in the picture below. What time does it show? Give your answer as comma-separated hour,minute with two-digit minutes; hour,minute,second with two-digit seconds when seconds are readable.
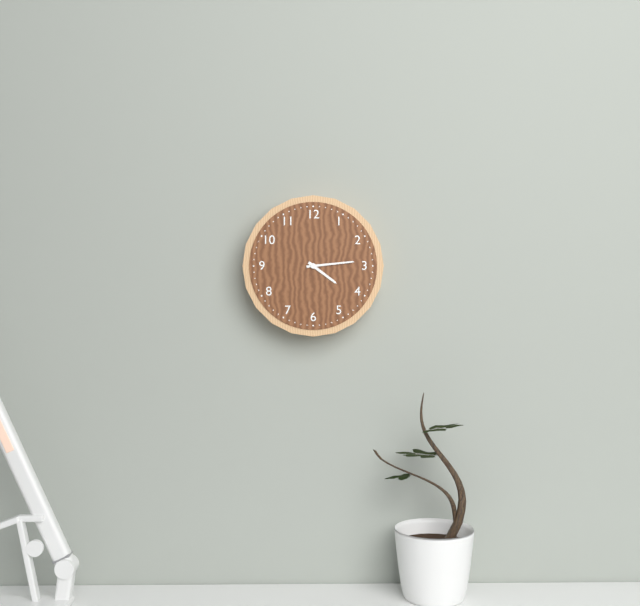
4,14
